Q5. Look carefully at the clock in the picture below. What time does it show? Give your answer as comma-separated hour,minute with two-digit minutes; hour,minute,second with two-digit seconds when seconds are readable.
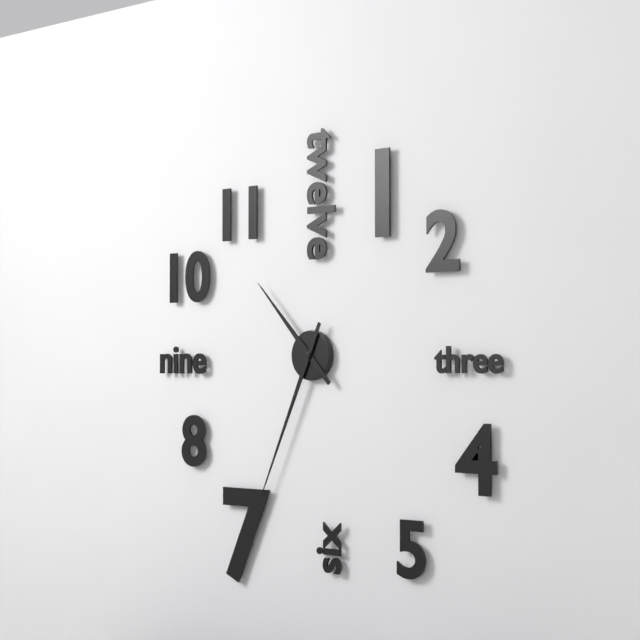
10,34
